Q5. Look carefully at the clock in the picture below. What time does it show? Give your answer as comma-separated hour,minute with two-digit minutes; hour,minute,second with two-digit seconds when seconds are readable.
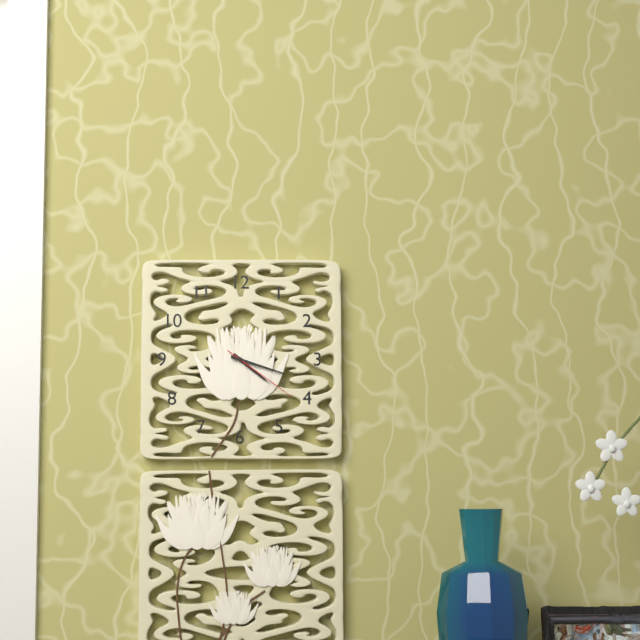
4,18,21
